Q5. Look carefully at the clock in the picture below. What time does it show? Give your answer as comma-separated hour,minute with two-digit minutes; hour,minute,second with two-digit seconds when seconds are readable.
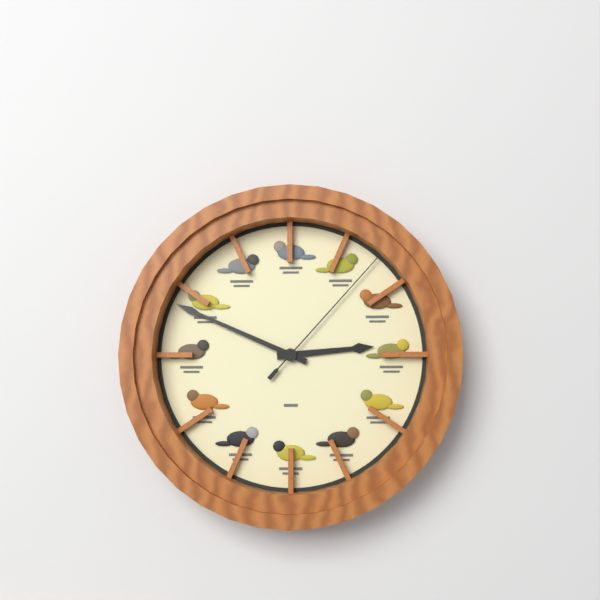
2,49,07
